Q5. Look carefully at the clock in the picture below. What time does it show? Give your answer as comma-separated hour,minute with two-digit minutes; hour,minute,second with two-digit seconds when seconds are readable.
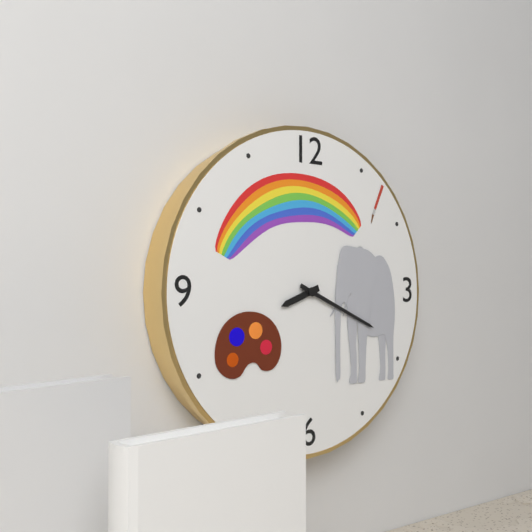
8,19
